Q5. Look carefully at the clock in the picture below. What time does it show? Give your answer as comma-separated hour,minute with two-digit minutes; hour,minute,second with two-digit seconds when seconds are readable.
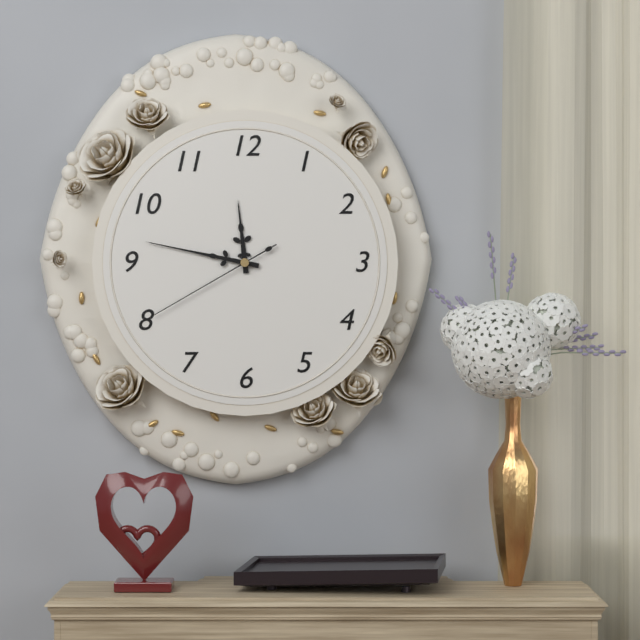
11,47,40
